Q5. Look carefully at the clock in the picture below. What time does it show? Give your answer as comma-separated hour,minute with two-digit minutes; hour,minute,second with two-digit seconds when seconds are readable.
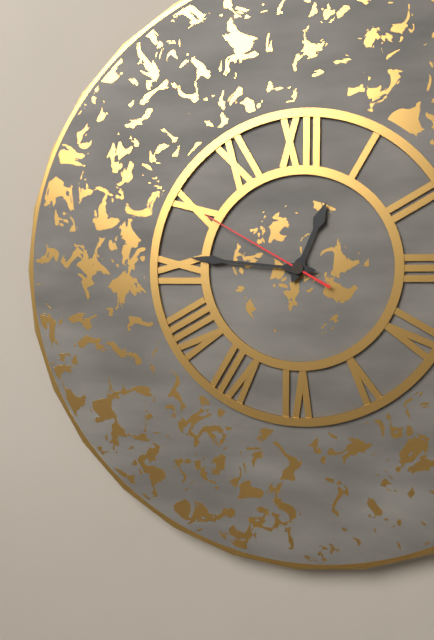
12,46,50
